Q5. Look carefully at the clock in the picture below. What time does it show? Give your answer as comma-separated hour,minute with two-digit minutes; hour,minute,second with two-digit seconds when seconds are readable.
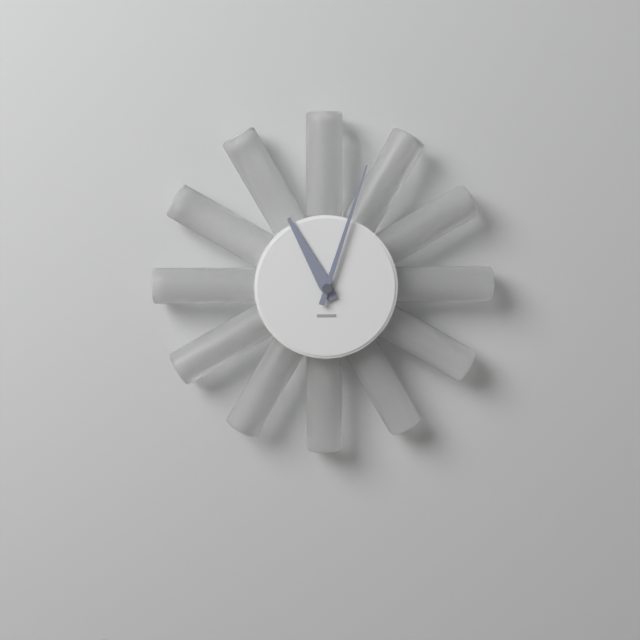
11,03
